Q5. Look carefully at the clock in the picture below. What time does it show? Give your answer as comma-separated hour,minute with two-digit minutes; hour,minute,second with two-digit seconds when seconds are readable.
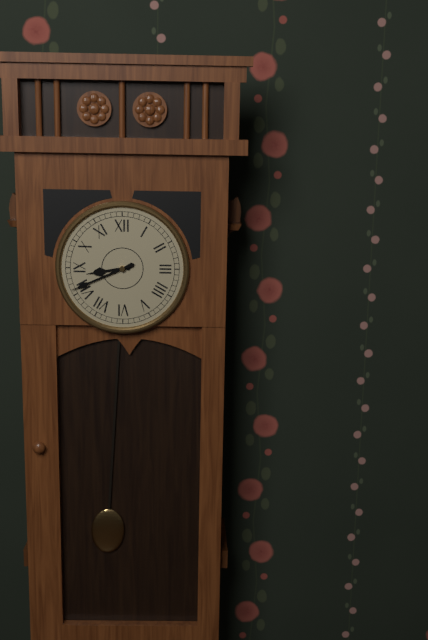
8,41
